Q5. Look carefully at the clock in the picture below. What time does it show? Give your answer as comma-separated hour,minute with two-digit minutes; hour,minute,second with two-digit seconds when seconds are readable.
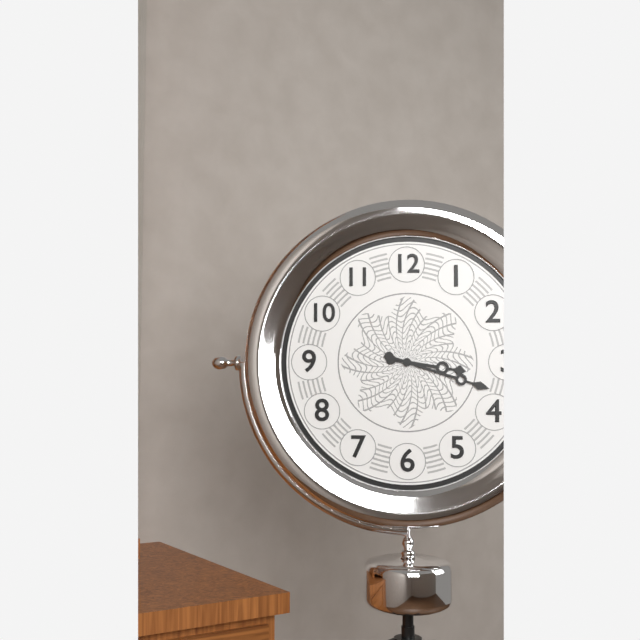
3,18
